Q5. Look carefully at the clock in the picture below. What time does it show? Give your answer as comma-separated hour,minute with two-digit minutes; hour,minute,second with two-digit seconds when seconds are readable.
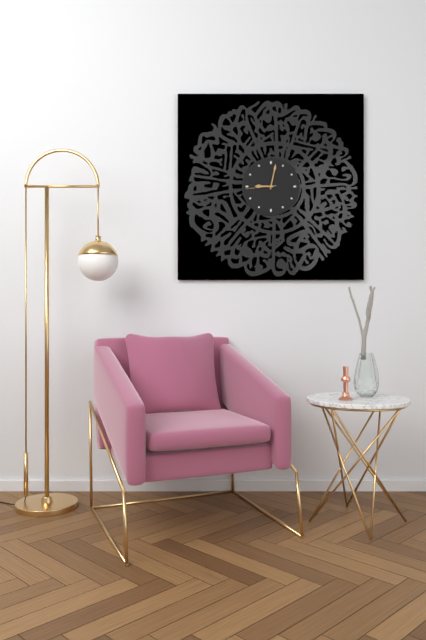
9,02
